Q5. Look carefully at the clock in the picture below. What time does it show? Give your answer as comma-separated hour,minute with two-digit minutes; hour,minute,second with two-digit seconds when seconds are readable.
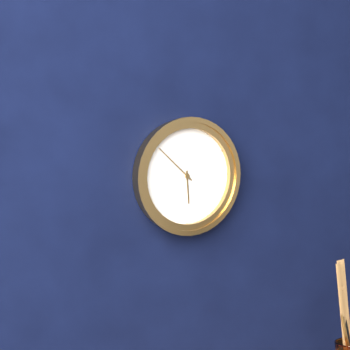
5,52
